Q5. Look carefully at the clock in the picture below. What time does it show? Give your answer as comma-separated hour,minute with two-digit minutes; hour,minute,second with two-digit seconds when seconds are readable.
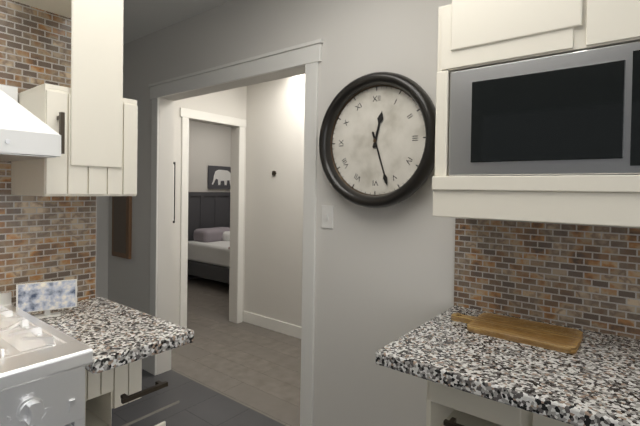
12,27
